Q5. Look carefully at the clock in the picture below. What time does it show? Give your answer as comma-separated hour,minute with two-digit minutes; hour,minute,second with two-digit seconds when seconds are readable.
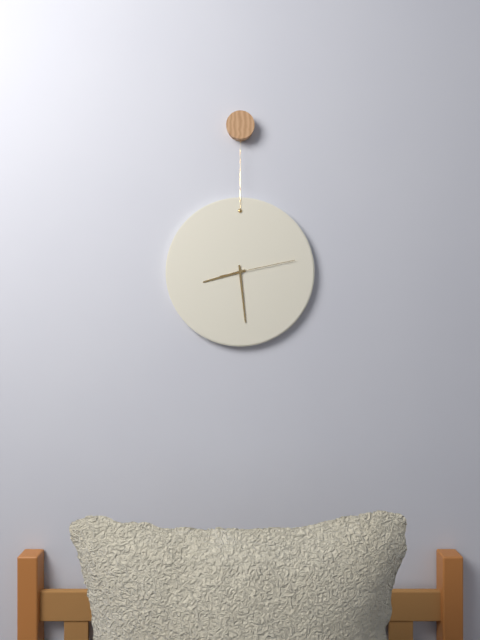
8,29,13
